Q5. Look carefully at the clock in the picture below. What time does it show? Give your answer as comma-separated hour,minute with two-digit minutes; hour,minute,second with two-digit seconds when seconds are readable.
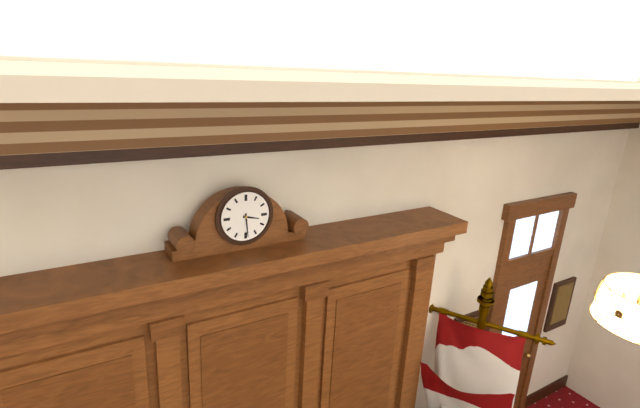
3,29
